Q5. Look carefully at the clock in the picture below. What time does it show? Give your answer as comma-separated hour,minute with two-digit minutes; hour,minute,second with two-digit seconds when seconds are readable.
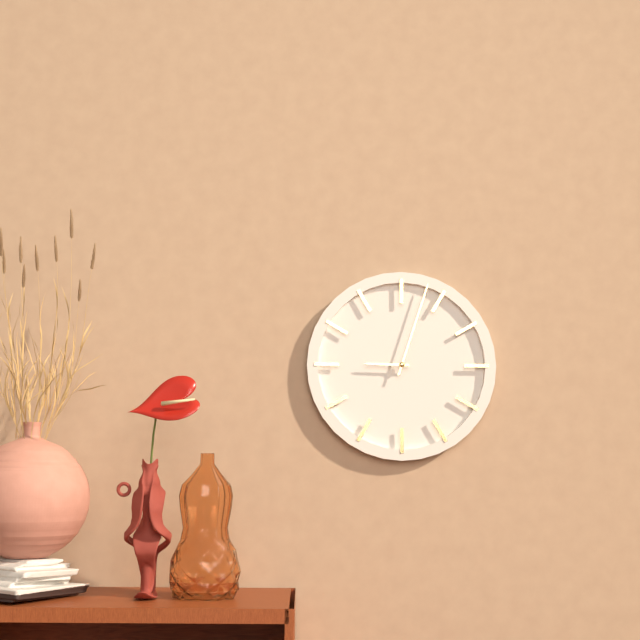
9,03
